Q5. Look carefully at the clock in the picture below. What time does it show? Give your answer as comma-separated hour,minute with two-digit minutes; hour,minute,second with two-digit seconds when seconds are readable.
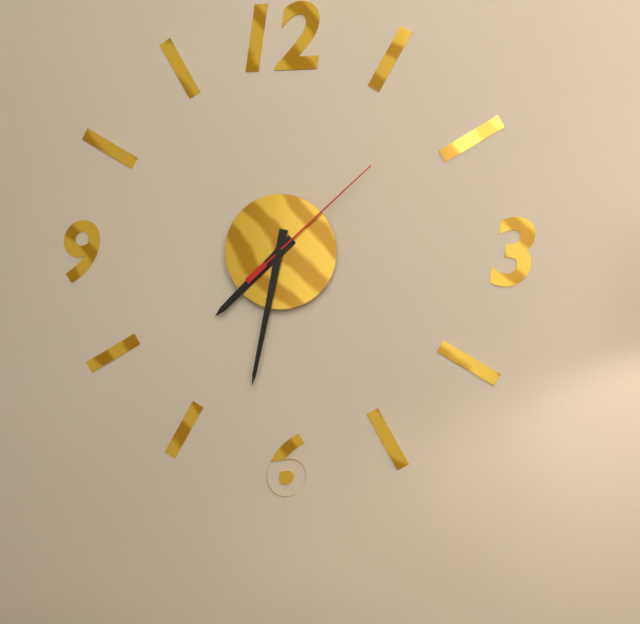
7,32,08
